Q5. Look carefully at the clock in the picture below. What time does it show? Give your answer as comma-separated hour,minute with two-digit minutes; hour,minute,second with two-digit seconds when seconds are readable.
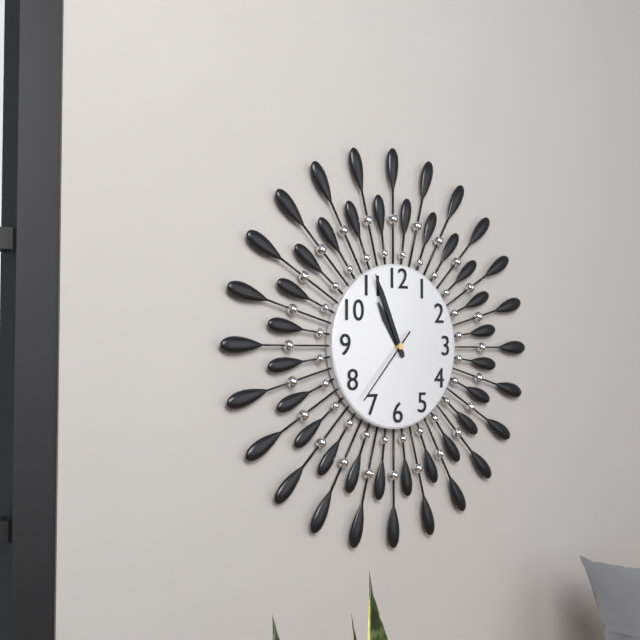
10,56,37
